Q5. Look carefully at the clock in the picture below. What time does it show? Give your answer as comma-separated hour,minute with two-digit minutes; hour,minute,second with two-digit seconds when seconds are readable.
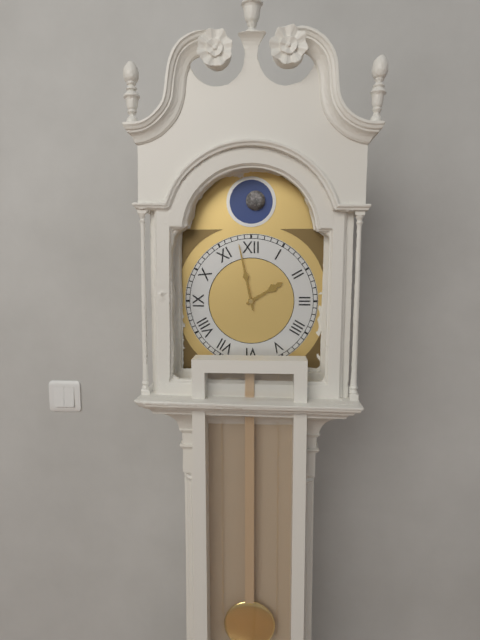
1,58
